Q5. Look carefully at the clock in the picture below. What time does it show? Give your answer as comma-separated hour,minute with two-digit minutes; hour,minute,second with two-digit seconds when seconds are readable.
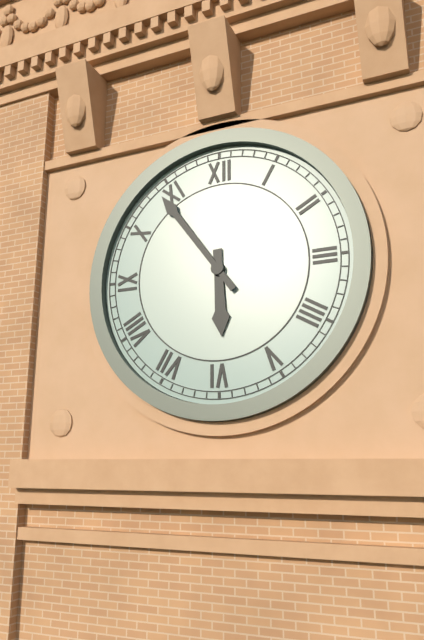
5,54
